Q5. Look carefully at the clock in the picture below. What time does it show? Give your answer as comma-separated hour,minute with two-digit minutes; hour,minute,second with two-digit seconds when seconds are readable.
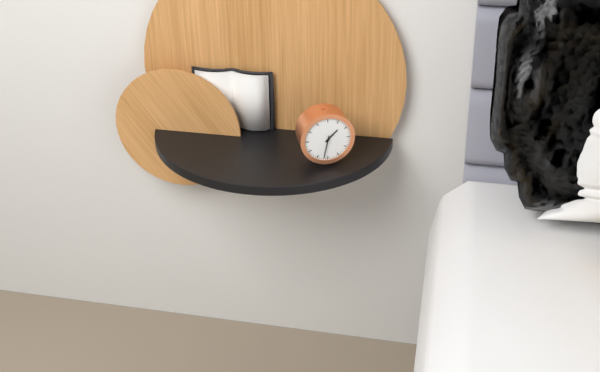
1,32
